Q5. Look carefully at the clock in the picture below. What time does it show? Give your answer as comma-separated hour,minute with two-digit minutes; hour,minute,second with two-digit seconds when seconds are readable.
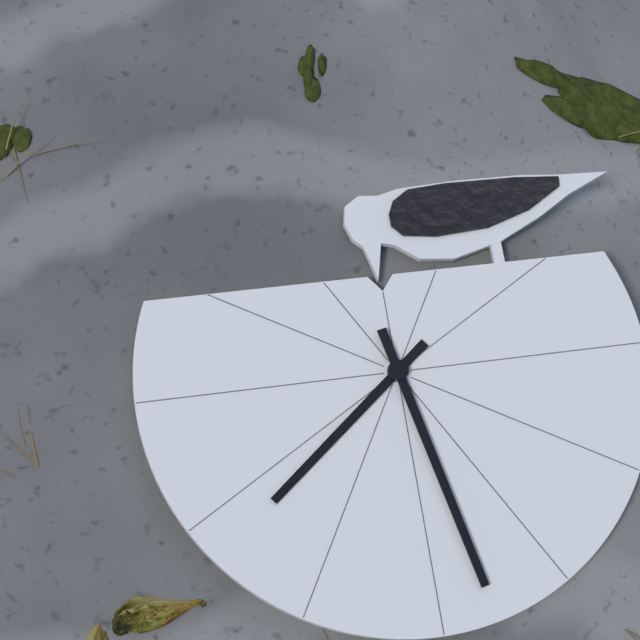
10,43
